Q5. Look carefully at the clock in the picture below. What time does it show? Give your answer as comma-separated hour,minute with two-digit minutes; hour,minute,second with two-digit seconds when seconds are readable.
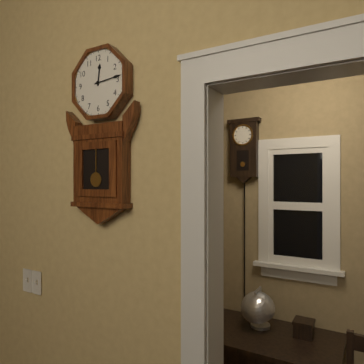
12,14
